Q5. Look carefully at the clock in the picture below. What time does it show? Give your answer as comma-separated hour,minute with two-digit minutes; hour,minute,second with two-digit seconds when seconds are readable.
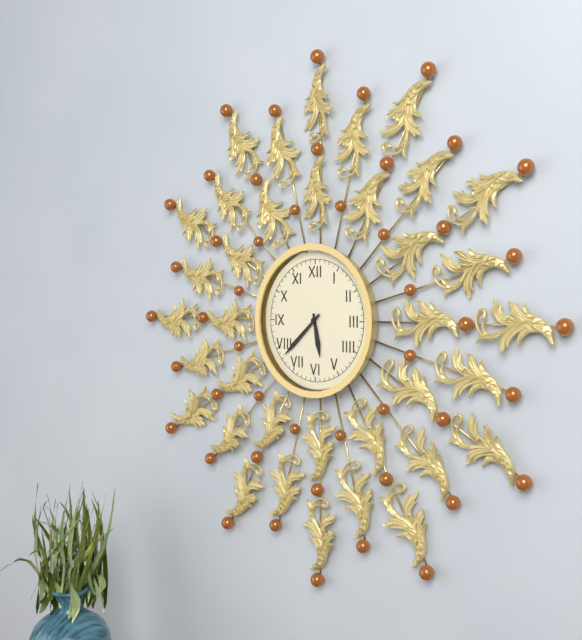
5,38
